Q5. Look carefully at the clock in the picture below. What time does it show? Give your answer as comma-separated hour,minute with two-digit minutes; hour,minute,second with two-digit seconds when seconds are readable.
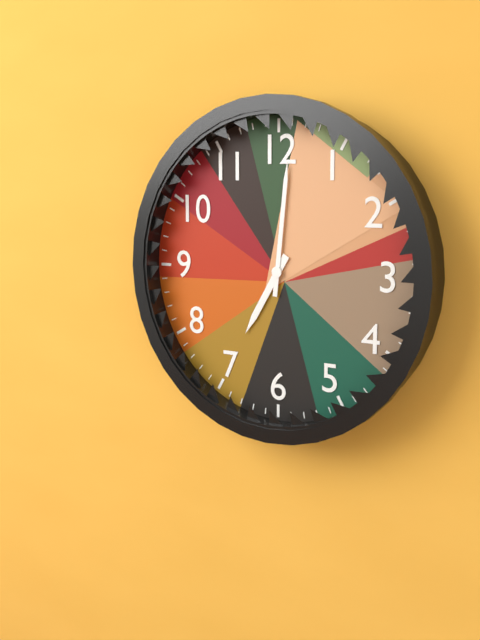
7,01
